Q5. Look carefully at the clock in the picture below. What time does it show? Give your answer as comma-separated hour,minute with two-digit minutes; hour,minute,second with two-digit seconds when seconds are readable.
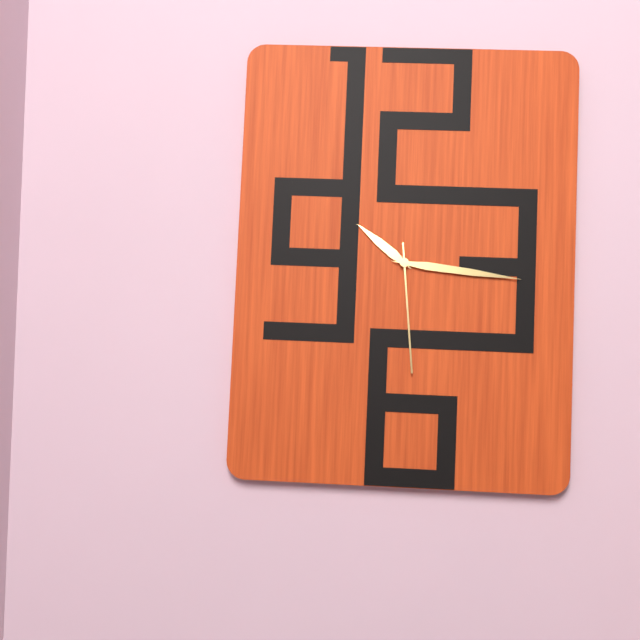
10,16,29
